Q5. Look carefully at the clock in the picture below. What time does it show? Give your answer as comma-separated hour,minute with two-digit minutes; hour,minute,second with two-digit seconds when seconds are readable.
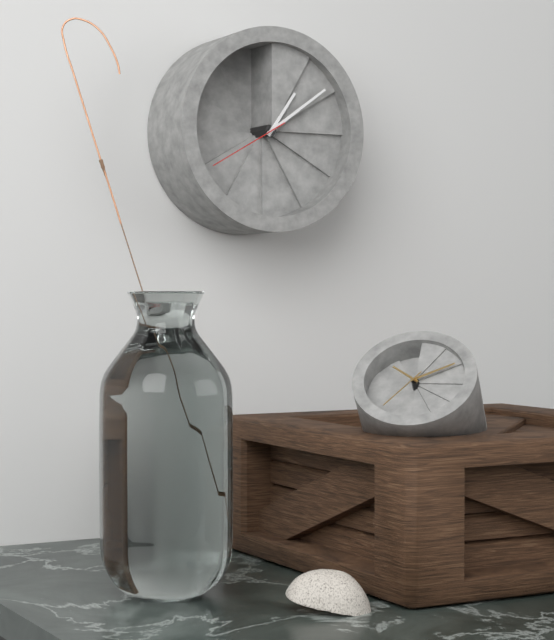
1,09
